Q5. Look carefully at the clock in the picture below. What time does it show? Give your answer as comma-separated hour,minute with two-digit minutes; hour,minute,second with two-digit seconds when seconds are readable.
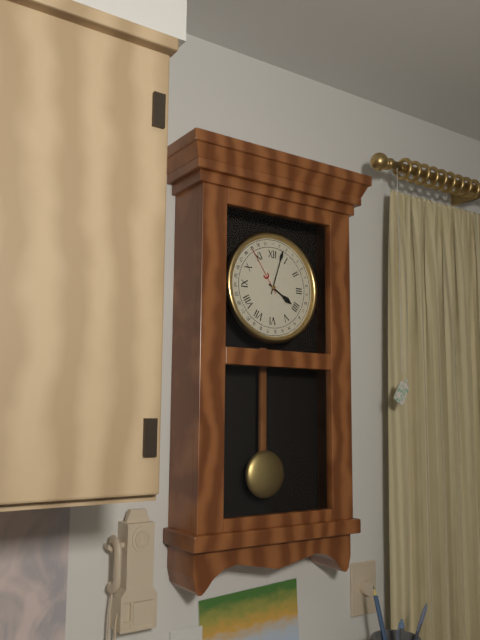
4,03
